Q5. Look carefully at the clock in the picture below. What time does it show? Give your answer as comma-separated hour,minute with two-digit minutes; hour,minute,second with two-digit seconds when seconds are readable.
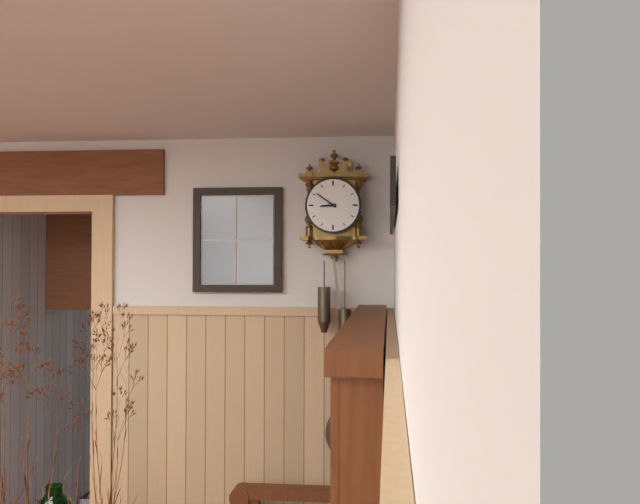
8,51
